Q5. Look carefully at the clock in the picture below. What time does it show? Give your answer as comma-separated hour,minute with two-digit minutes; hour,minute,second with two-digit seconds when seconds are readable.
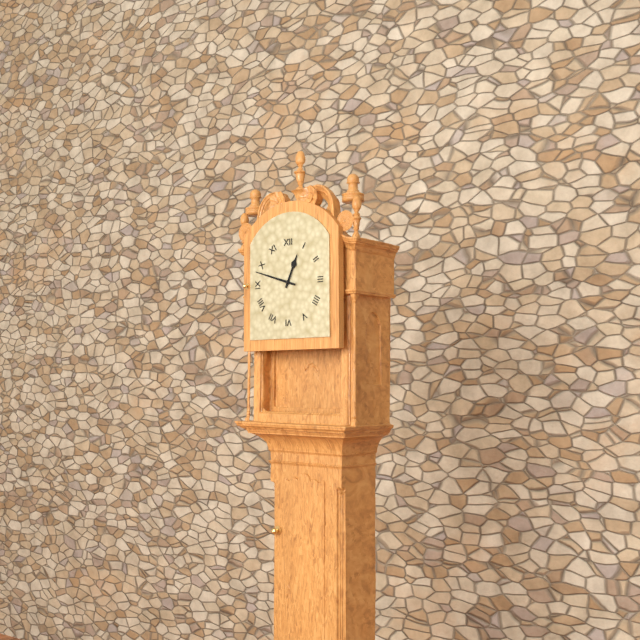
12,48
